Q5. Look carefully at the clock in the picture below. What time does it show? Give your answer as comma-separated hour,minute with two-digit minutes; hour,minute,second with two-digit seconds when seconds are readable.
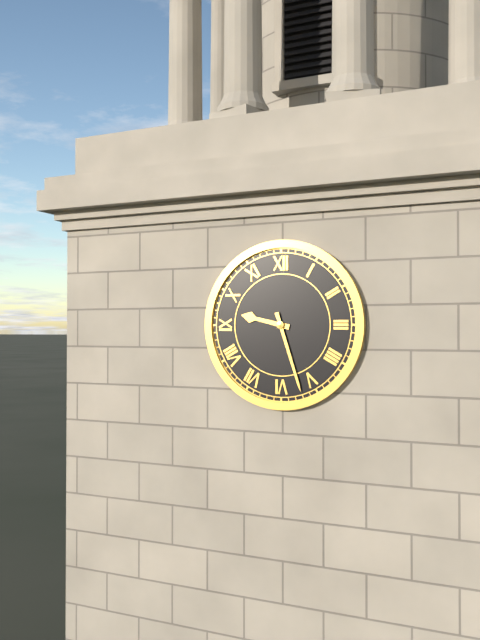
9,27
